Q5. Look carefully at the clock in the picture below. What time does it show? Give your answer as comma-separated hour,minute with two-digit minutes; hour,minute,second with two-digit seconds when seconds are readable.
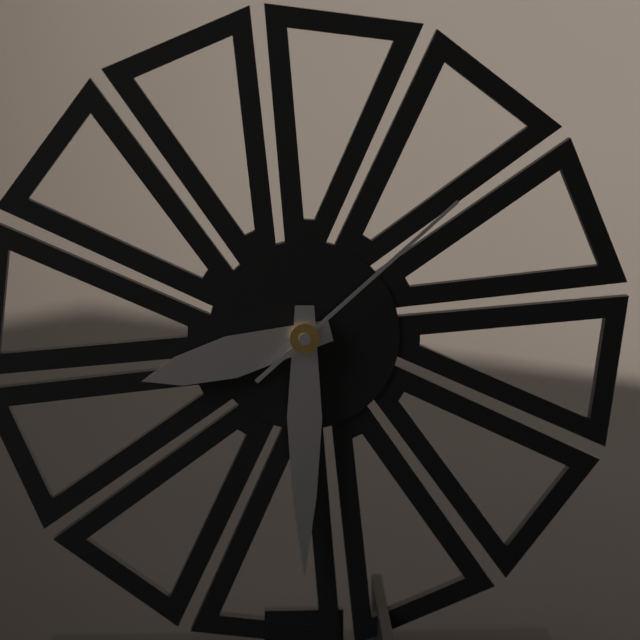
8,30,08
